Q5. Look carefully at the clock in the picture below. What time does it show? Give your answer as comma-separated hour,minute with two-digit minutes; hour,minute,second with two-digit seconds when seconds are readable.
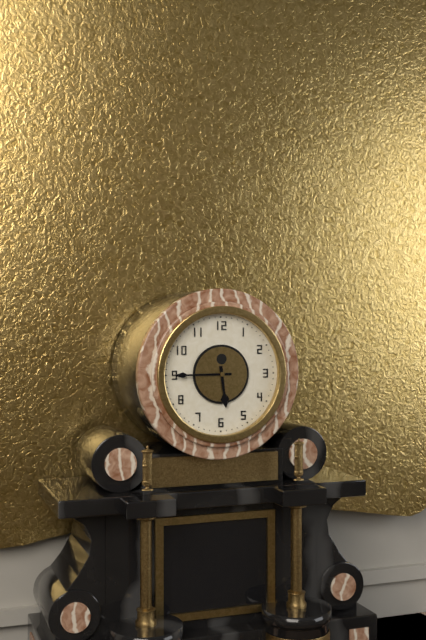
5,45
